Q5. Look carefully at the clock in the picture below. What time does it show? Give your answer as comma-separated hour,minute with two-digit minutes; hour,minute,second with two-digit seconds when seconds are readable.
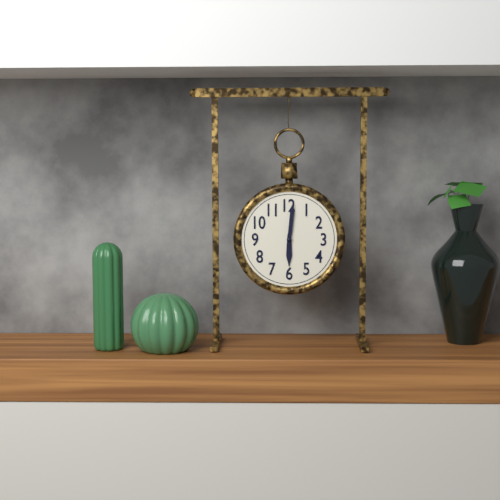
6,01
